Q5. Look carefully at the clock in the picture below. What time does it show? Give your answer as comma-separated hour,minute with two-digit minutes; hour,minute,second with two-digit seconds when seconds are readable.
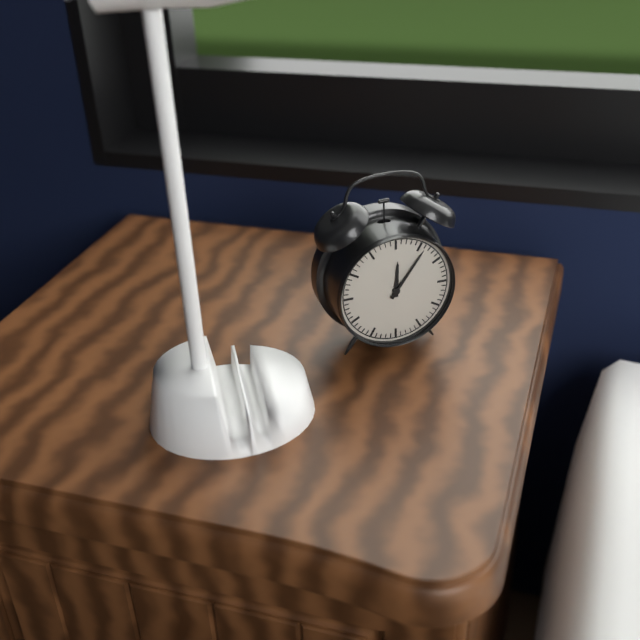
12,06
